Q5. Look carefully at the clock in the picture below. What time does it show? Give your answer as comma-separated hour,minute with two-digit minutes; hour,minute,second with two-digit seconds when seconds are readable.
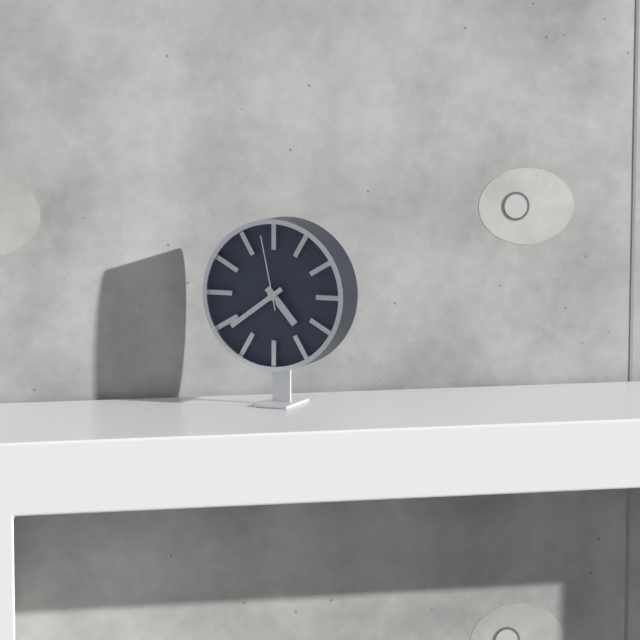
4,39,58
